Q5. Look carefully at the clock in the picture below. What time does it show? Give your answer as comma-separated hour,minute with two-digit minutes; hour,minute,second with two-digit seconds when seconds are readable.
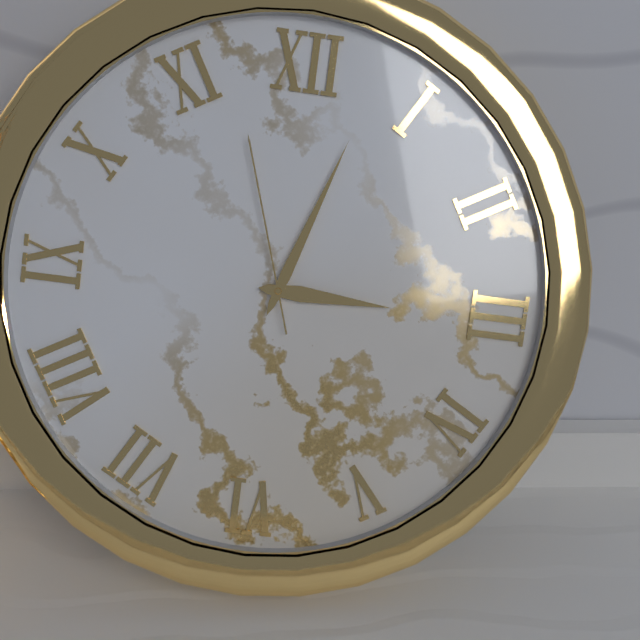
3,03,57
